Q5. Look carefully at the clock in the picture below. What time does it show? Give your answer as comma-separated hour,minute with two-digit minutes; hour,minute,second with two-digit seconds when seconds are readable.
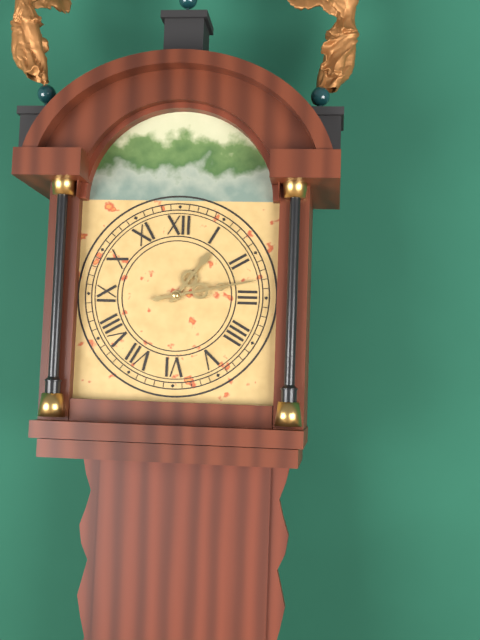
1,13
